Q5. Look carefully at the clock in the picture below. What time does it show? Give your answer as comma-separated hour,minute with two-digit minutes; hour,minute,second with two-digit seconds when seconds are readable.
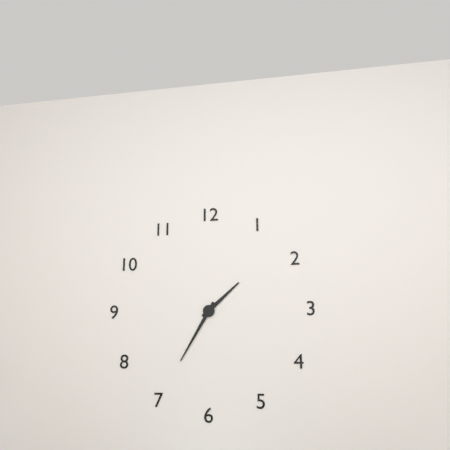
1,35
